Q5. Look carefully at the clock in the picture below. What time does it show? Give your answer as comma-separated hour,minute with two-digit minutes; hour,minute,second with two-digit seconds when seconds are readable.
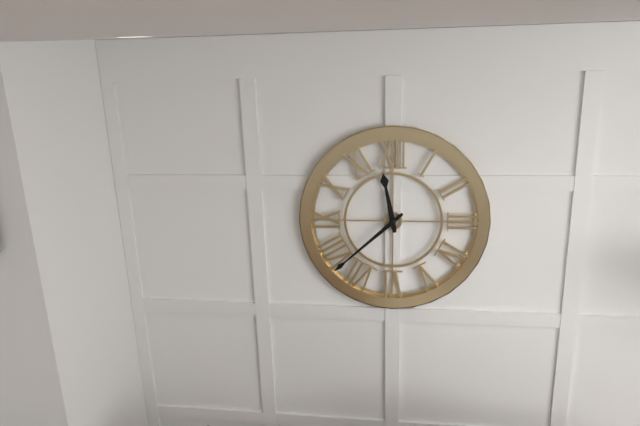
11,38
